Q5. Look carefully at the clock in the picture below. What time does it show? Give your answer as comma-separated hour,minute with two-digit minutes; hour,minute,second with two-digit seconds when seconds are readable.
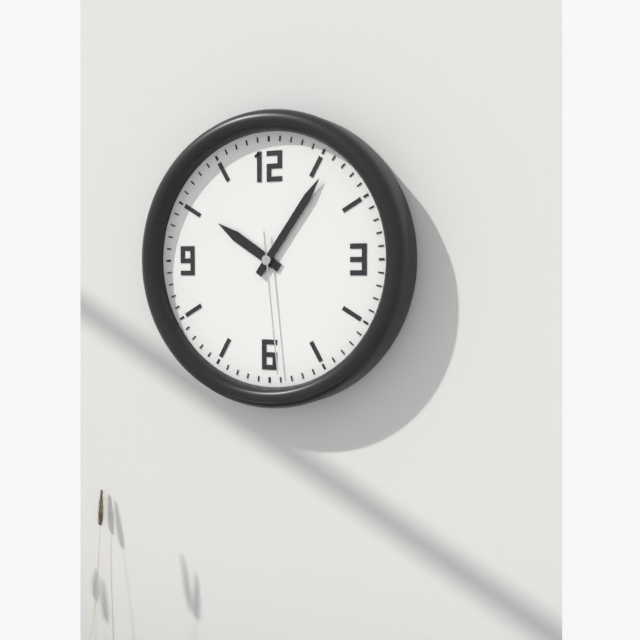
10,06,29
